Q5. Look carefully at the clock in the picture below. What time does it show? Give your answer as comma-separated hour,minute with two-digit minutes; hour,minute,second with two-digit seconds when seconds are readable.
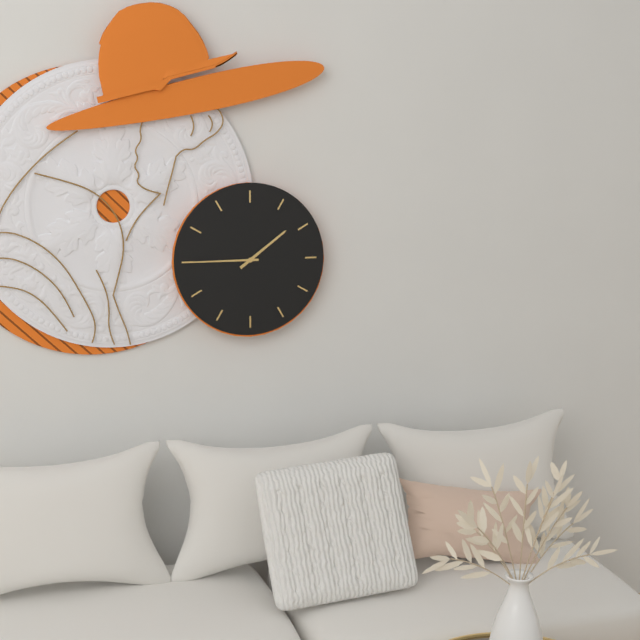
1,45
